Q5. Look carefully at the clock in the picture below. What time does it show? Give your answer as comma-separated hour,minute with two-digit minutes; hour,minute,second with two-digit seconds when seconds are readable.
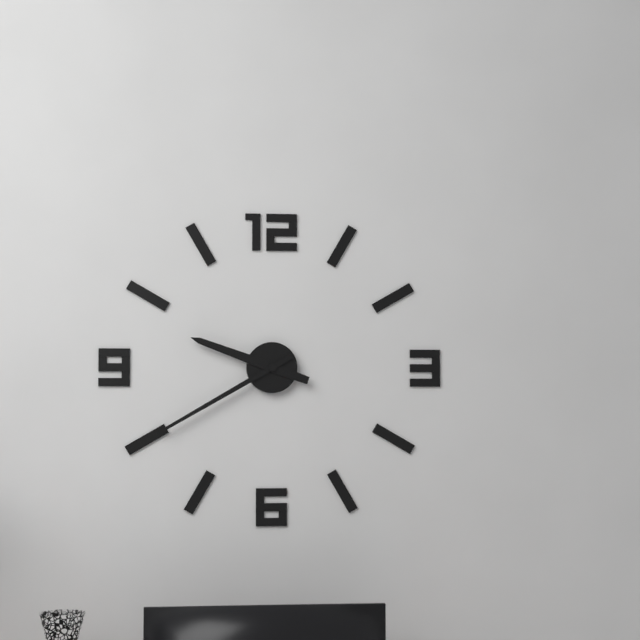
9,40
